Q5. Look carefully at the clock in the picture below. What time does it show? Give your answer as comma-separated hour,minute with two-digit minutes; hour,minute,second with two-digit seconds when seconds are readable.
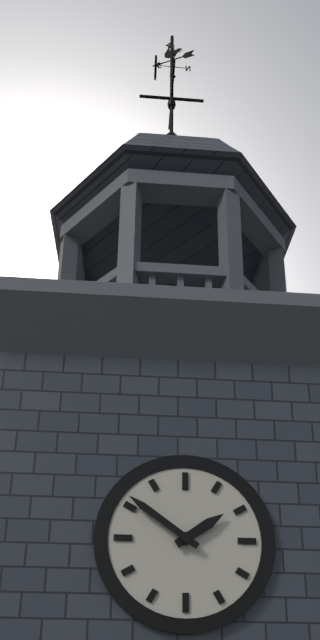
1,51
